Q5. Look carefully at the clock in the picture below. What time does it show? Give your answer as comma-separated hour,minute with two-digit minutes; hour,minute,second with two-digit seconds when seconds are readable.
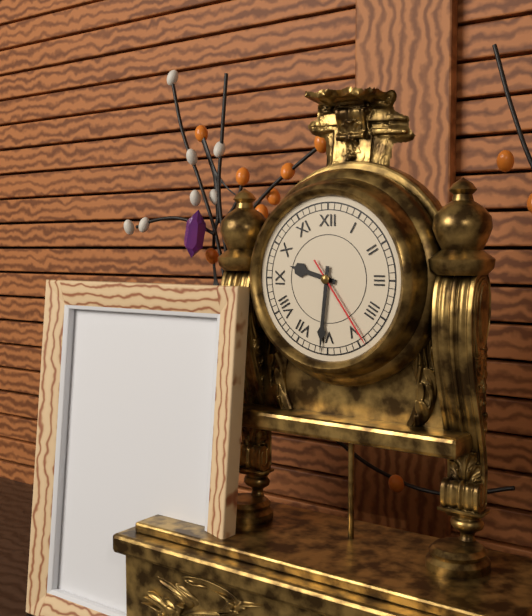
9,31,24
